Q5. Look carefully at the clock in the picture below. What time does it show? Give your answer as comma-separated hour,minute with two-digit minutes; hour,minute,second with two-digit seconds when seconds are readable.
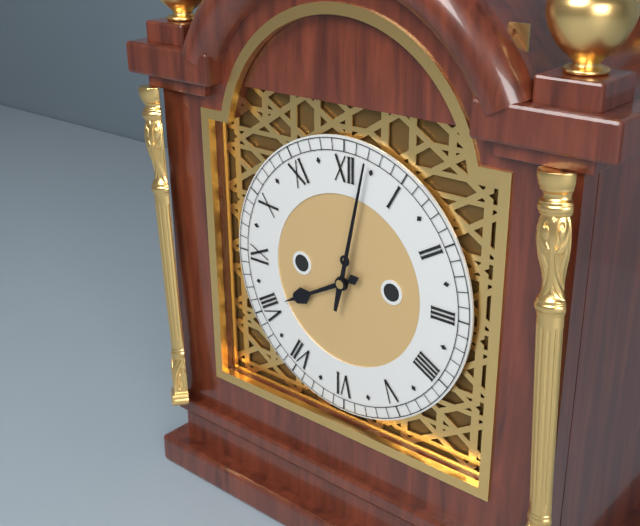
8,02
